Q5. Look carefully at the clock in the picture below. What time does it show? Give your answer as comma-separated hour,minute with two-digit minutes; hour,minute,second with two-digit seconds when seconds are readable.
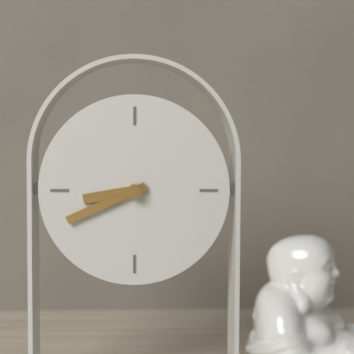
8,41
